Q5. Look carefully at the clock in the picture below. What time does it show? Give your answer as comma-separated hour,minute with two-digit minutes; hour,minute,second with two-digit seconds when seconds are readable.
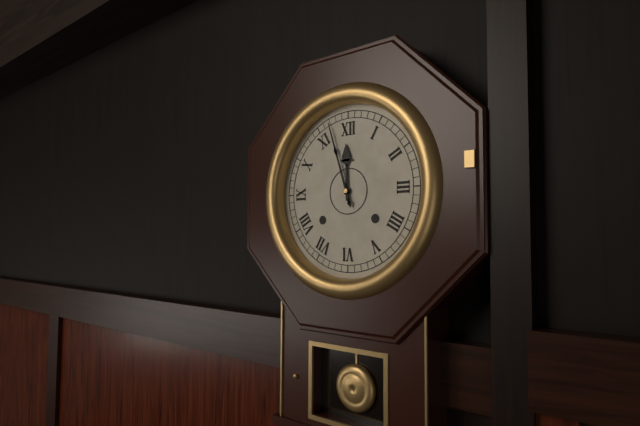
11,57
